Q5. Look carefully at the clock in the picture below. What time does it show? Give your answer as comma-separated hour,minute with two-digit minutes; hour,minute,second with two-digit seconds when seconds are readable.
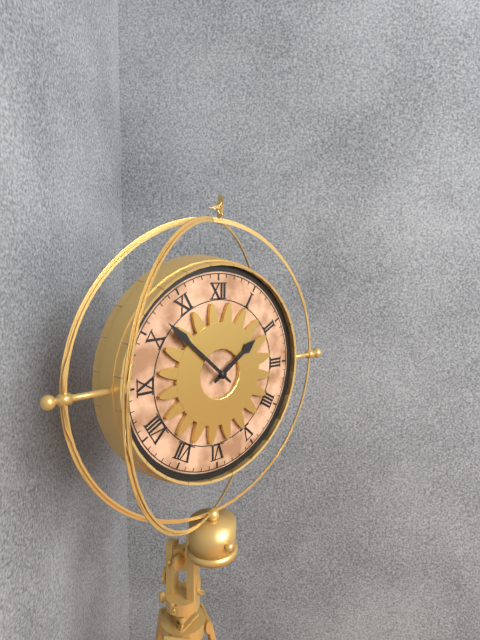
1,52
